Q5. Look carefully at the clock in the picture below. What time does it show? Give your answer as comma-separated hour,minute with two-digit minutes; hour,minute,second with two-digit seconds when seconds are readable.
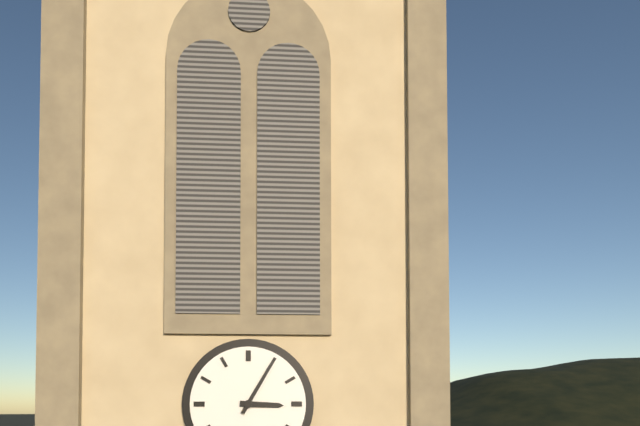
3,05
